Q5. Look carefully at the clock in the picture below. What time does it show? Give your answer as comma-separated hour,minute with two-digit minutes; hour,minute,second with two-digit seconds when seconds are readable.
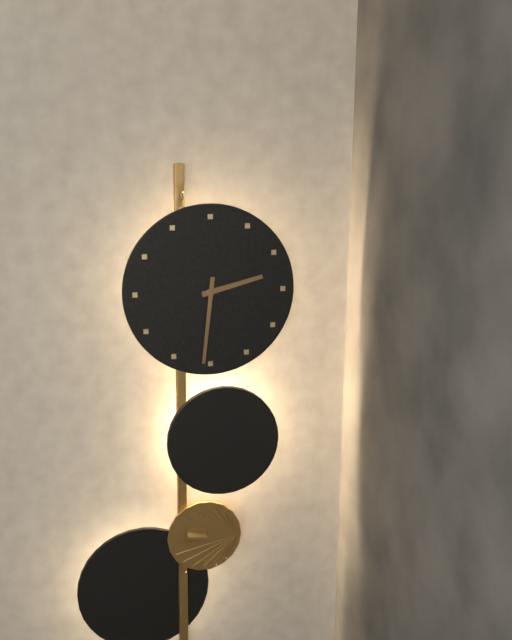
2,31
